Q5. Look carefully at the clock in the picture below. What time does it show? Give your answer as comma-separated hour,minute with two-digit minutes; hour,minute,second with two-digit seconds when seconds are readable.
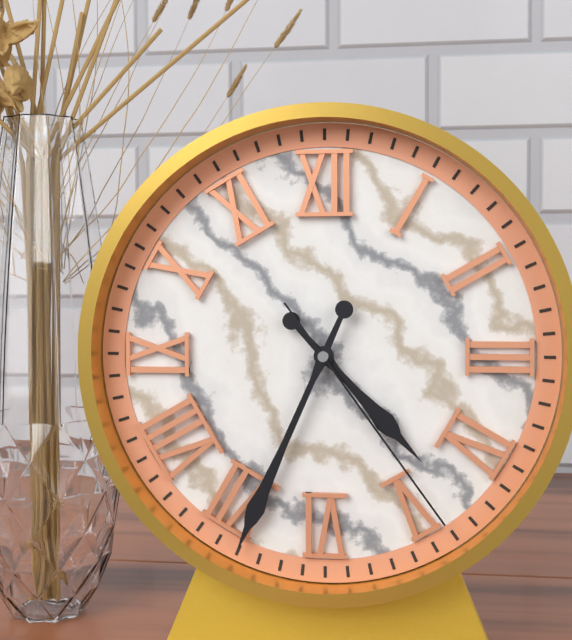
4,34,24
